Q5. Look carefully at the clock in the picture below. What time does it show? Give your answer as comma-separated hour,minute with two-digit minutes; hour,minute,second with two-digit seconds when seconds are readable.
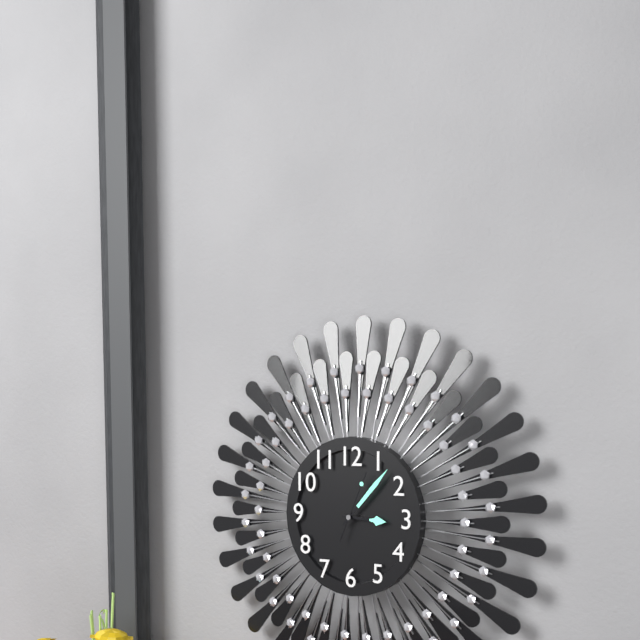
3,07,04
